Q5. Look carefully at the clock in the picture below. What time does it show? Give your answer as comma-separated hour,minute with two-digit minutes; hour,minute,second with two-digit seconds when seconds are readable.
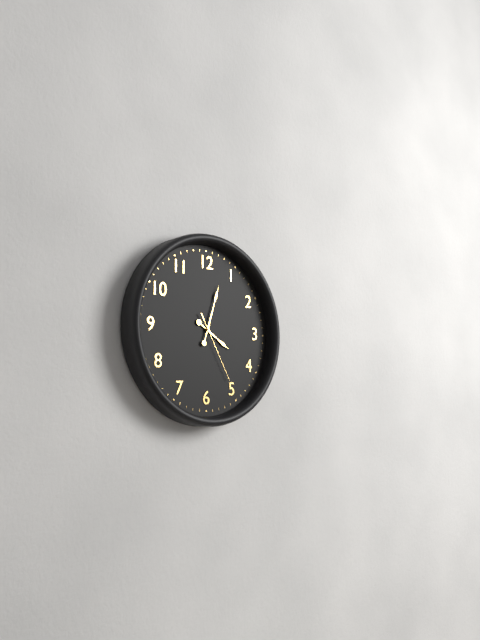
4,03,25
